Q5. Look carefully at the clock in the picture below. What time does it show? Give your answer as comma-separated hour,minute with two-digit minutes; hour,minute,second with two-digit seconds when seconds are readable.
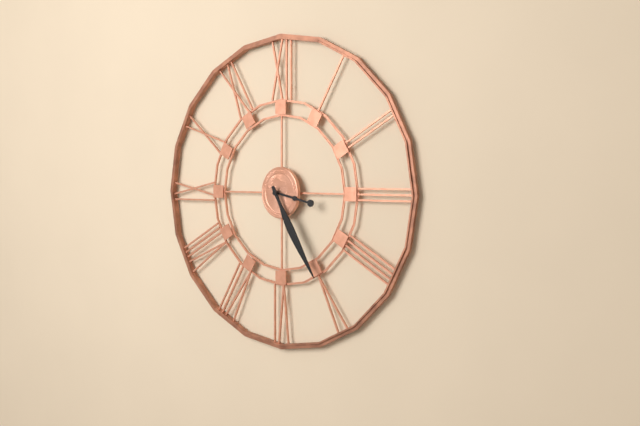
3,25
